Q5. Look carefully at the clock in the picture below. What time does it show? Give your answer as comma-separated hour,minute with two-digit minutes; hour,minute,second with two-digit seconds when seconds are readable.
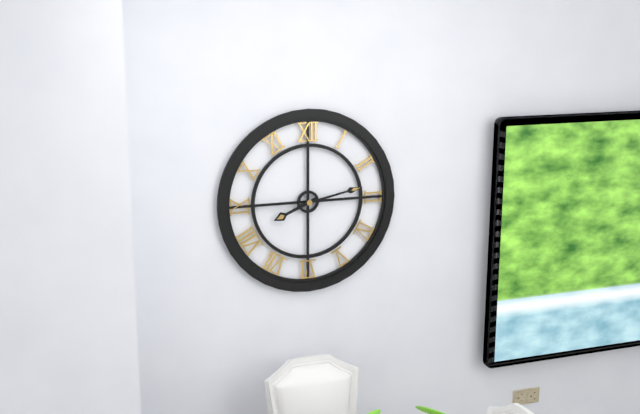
8,13
